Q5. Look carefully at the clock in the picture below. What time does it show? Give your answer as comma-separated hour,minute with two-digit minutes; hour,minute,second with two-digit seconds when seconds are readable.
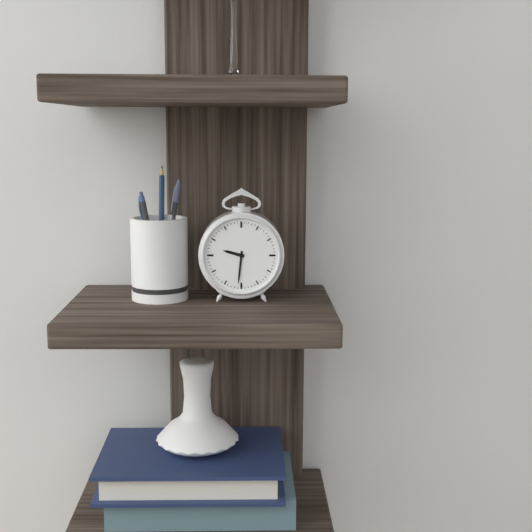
9,31
